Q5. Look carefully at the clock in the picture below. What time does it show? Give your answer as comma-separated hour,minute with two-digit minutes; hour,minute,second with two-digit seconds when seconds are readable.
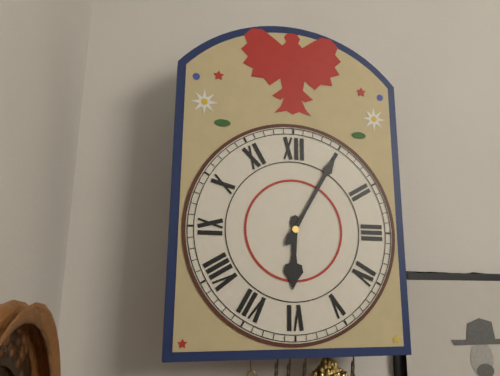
6,05
